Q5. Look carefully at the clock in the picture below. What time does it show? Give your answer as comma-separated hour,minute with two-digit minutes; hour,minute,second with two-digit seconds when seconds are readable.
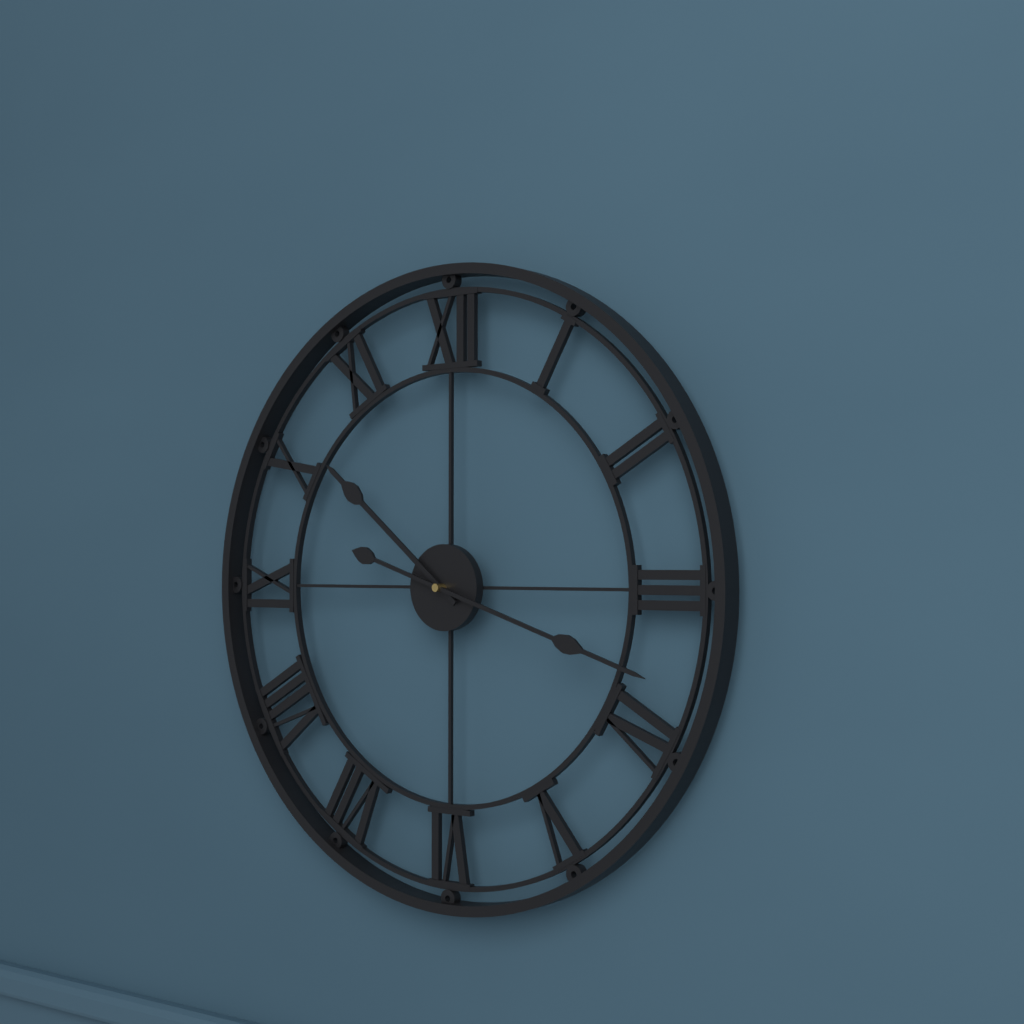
10,18
